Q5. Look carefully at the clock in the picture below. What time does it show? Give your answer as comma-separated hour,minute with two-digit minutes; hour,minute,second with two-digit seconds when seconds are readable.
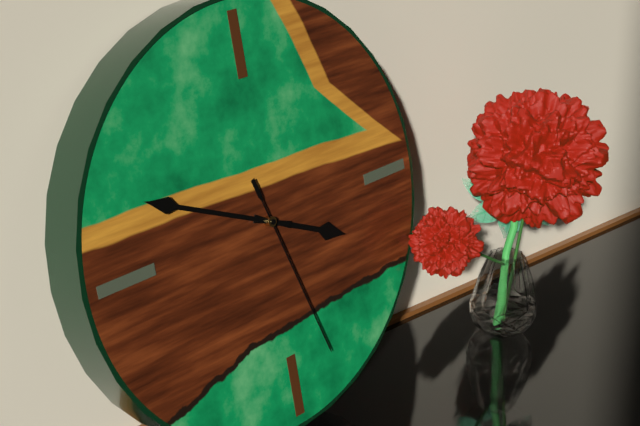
3,49,27
